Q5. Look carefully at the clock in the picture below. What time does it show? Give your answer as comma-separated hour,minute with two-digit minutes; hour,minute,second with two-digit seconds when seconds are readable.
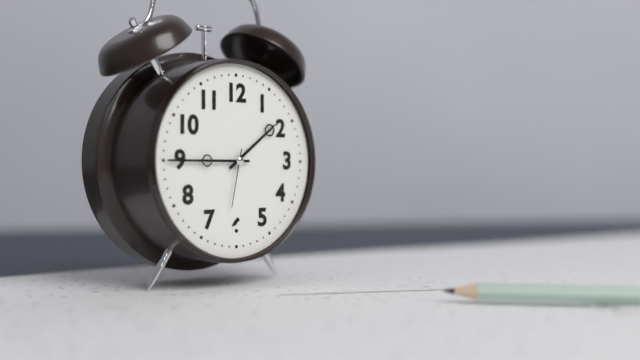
1,45,32
